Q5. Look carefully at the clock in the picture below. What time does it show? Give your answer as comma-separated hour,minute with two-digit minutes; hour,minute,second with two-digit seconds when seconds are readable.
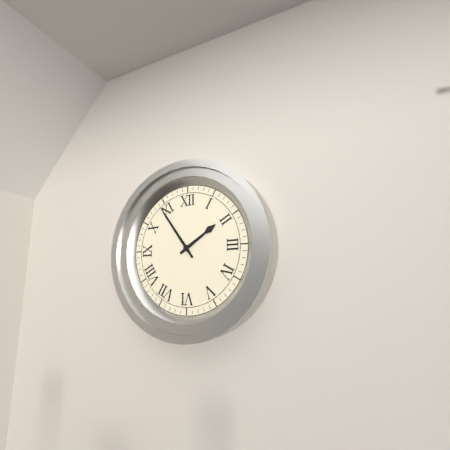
1,54
